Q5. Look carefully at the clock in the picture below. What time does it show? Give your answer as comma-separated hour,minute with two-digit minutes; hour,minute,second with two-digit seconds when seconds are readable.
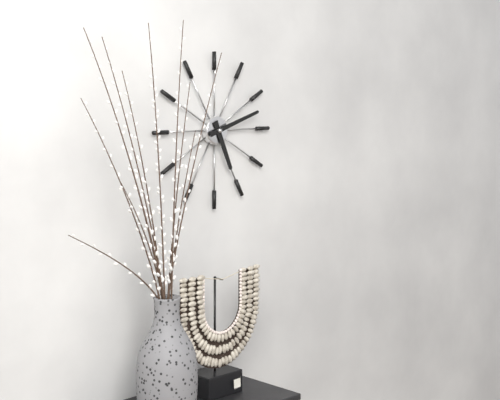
5,12
